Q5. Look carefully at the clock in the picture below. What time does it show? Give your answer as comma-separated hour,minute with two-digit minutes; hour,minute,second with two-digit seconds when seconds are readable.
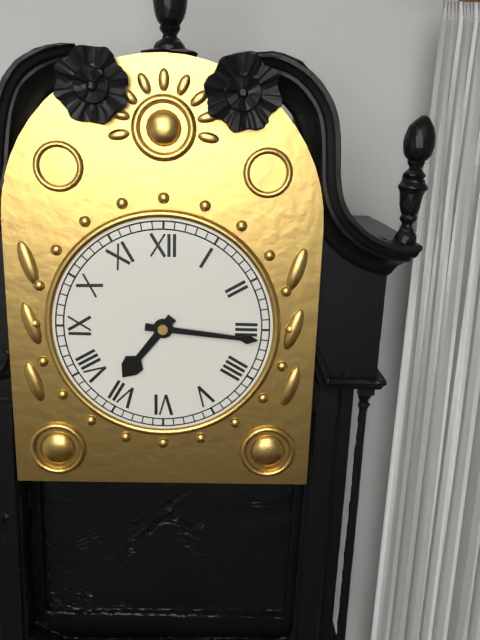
7,16
